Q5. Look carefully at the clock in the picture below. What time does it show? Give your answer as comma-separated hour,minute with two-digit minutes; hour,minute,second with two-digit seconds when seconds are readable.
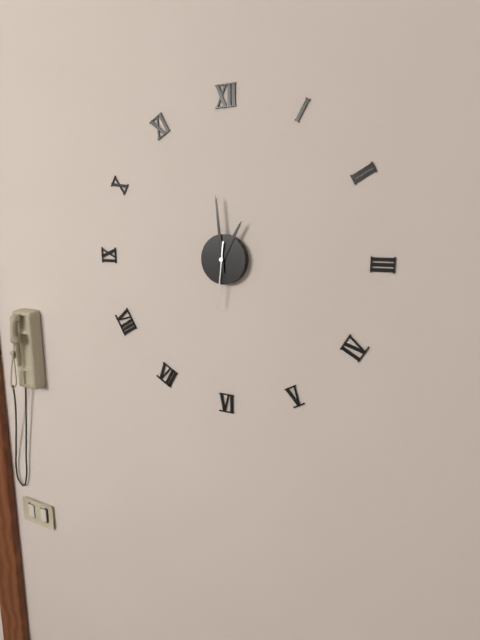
12,59,31
